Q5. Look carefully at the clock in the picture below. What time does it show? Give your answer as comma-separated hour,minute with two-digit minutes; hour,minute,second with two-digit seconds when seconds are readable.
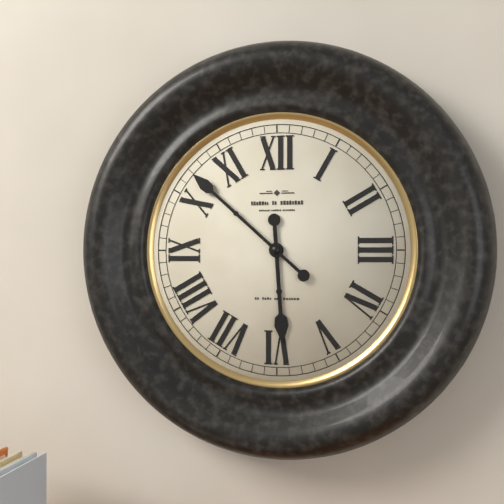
5,52
